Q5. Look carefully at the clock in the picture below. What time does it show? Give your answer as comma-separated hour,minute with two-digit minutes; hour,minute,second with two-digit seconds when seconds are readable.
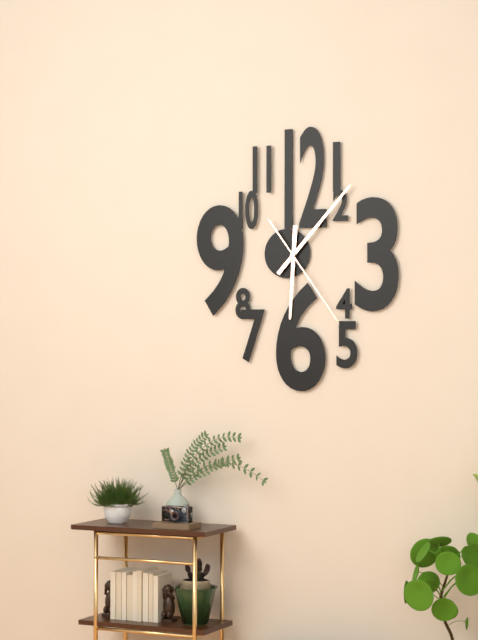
6,07,24
